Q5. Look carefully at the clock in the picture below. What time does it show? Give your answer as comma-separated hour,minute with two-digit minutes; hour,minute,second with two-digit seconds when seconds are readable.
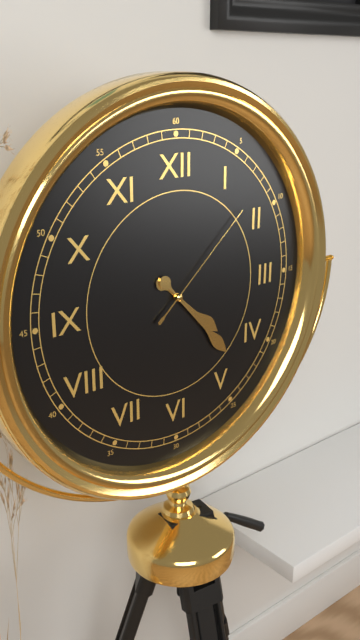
4,23,08
